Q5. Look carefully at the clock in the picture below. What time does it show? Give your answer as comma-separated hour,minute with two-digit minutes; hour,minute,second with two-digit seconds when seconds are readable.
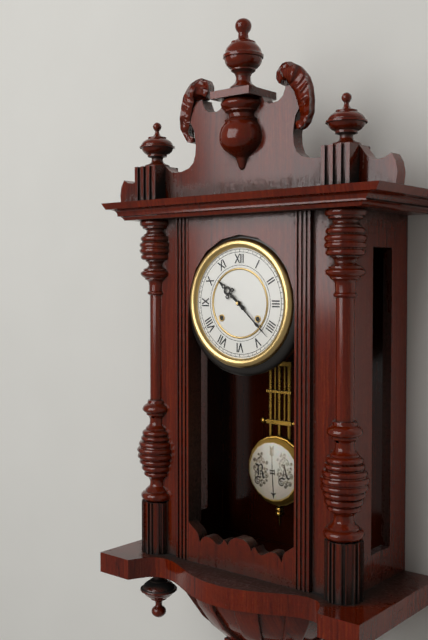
10,22
